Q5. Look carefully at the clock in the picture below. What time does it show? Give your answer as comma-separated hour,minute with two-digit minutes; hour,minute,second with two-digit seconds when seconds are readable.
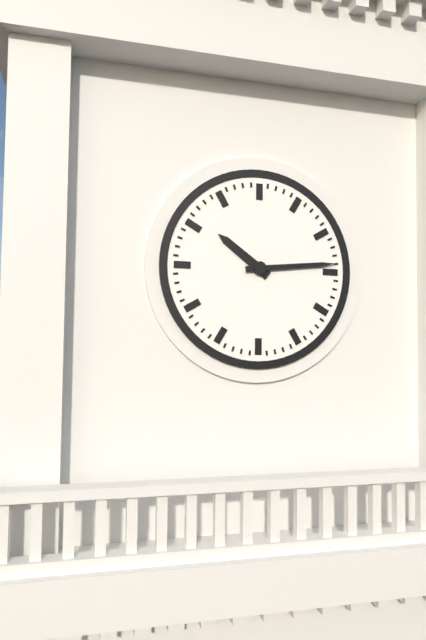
10,14
